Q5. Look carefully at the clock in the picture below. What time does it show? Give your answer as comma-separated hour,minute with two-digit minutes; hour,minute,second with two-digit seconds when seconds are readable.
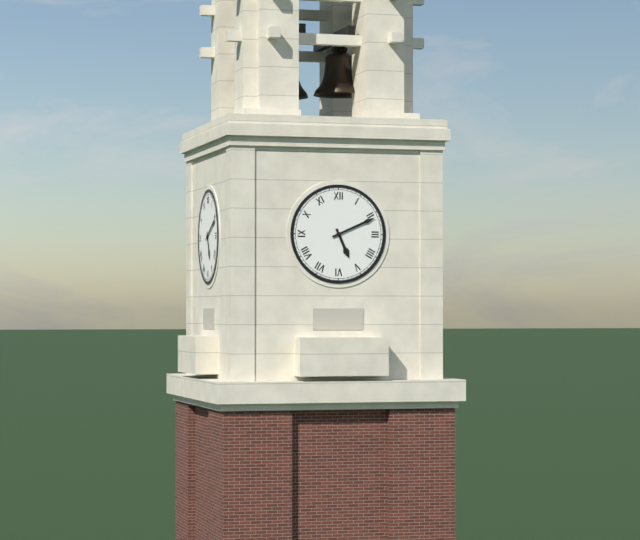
5,11
